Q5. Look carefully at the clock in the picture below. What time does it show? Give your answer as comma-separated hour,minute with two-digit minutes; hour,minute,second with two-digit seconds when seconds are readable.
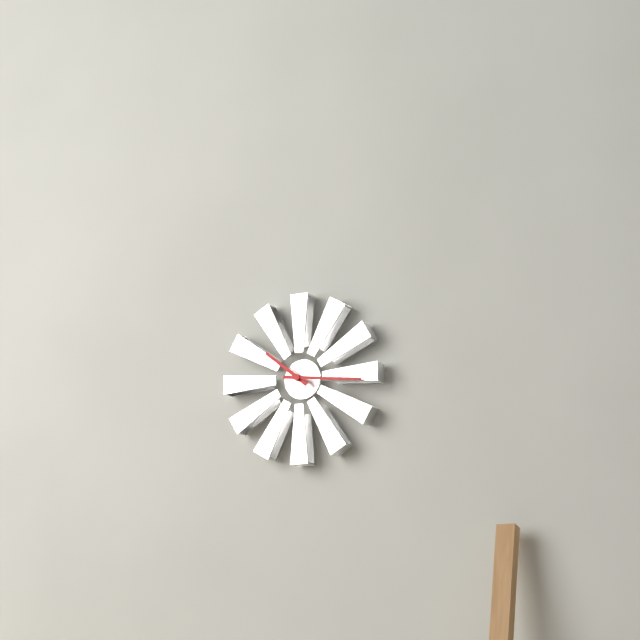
10,16
